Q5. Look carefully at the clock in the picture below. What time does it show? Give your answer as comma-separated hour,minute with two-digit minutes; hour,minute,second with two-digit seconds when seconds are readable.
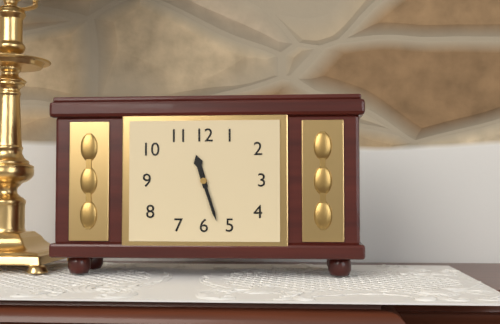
11,27
